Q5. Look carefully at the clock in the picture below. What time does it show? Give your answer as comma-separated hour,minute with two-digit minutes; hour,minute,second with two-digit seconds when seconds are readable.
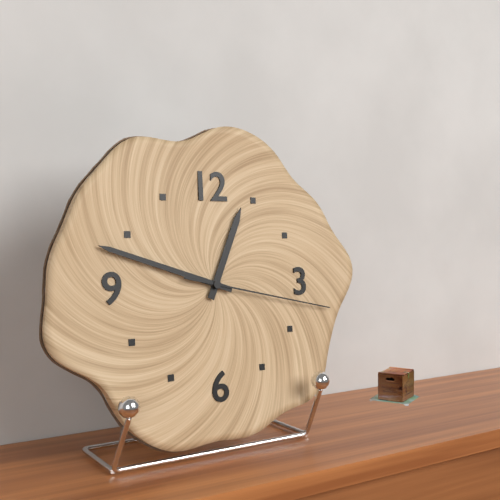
12,48,17
